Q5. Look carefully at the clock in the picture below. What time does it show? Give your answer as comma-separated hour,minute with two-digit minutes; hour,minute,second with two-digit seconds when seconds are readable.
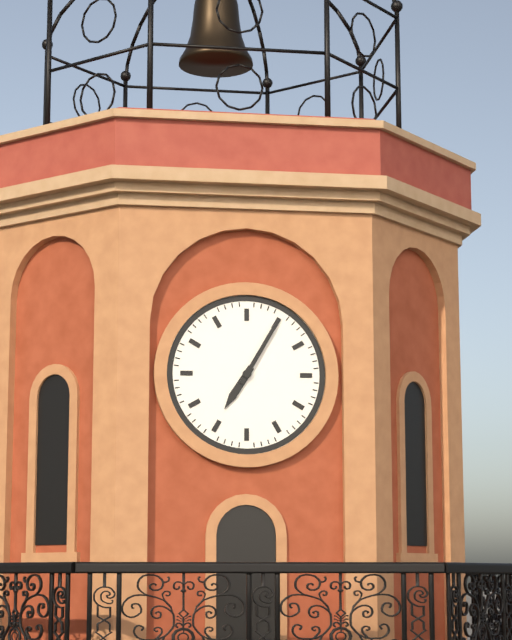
7,05
